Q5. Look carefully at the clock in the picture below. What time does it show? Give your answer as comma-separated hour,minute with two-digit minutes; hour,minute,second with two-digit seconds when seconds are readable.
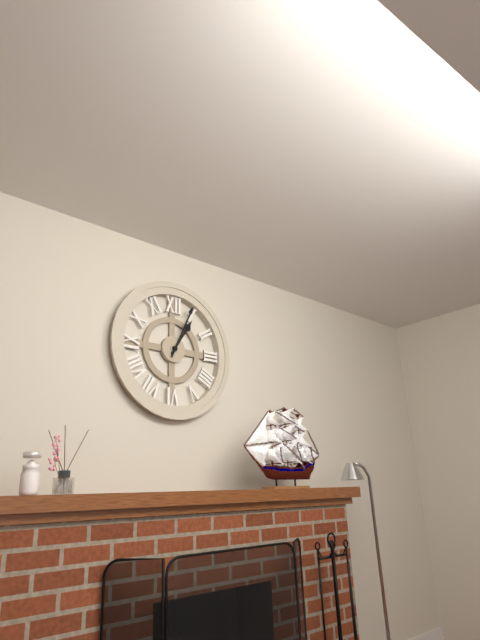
1,04
